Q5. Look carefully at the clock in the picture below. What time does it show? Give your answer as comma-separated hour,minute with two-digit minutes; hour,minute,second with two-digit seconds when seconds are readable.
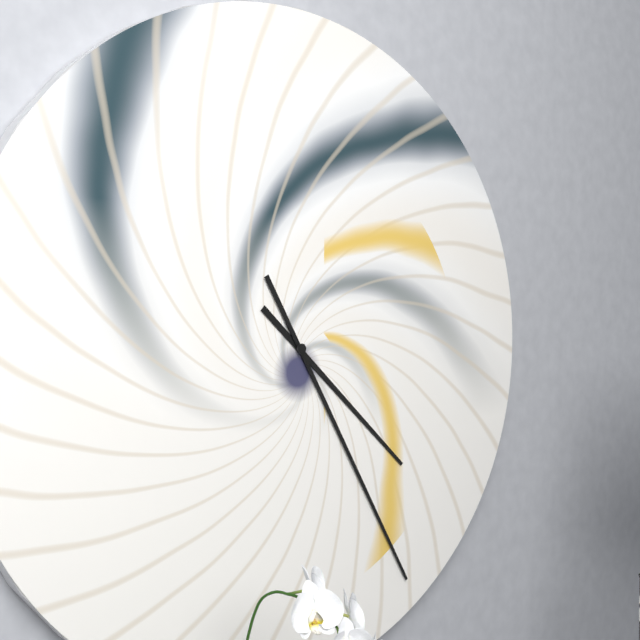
4,25
